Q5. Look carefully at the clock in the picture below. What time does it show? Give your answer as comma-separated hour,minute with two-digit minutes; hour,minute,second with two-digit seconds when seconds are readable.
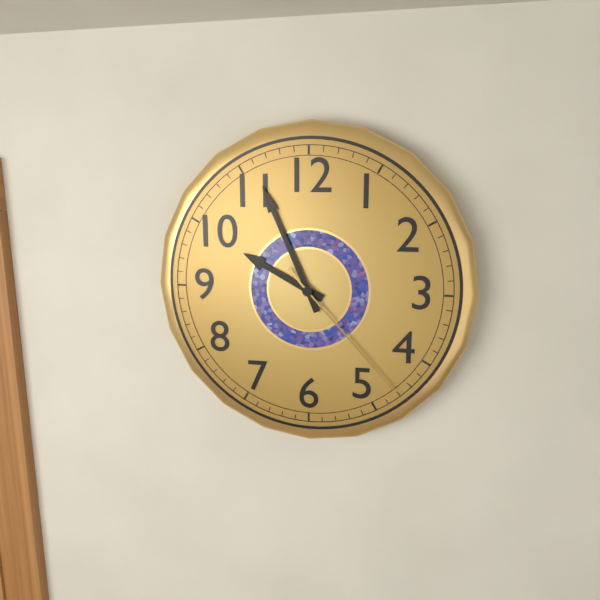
9,56,23
